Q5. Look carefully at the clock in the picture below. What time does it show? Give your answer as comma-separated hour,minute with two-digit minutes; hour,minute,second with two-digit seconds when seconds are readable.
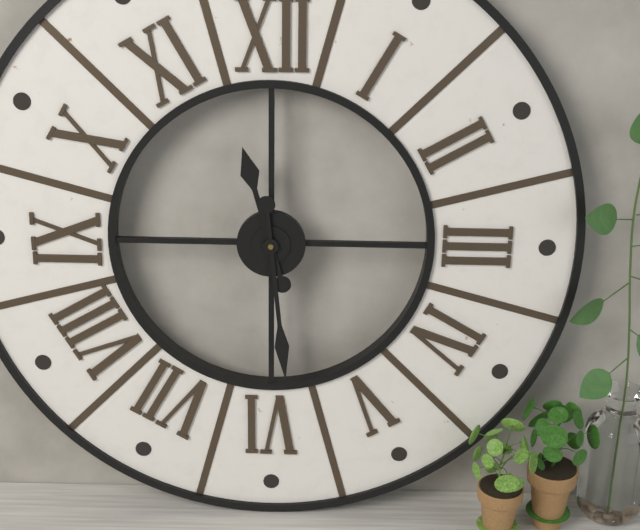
11,29
